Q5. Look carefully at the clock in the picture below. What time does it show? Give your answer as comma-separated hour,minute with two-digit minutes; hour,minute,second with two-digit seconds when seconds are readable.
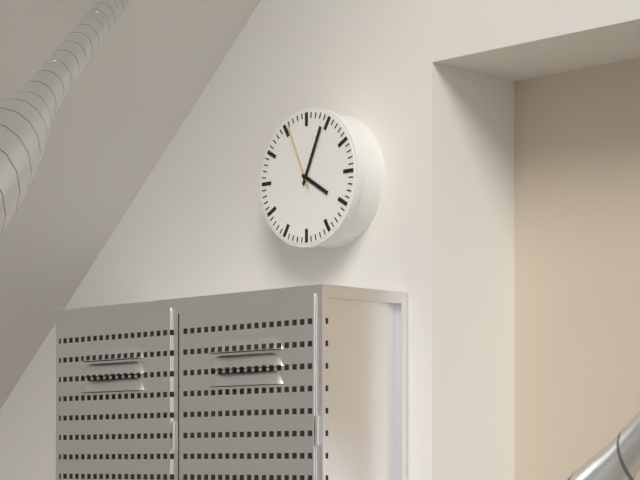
4,04,56
